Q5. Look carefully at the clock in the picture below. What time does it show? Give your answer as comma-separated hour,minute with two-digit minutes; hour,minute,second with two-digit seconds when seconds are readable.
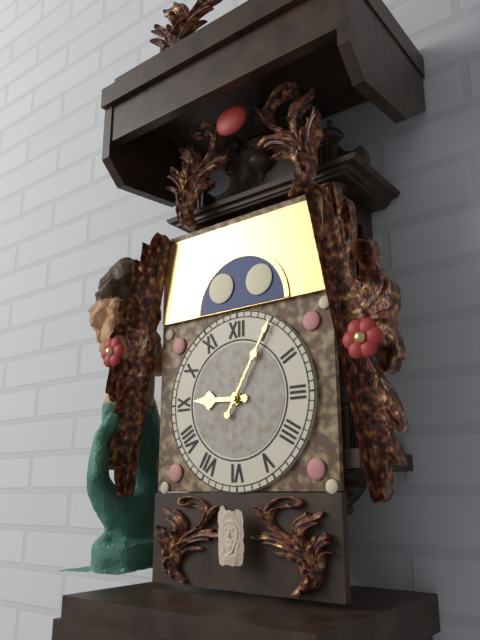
9,05
